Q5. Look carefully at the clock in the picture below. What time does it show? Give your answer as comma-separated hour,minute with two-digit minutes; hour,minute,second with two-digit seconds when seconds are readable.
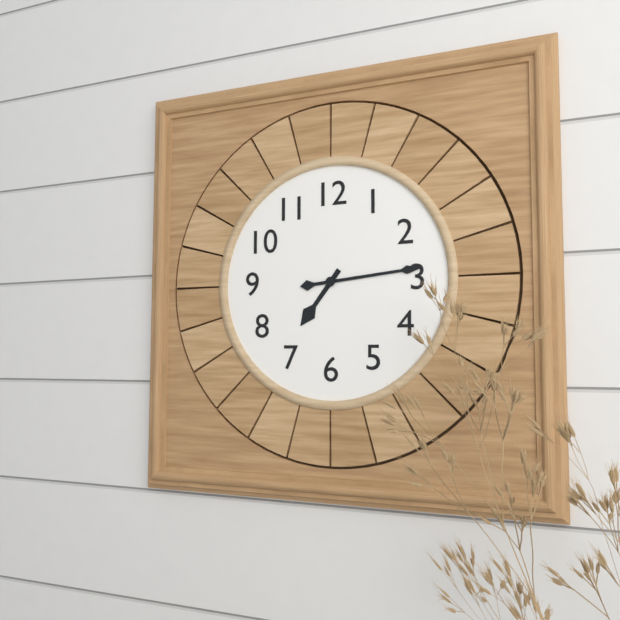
7,14
